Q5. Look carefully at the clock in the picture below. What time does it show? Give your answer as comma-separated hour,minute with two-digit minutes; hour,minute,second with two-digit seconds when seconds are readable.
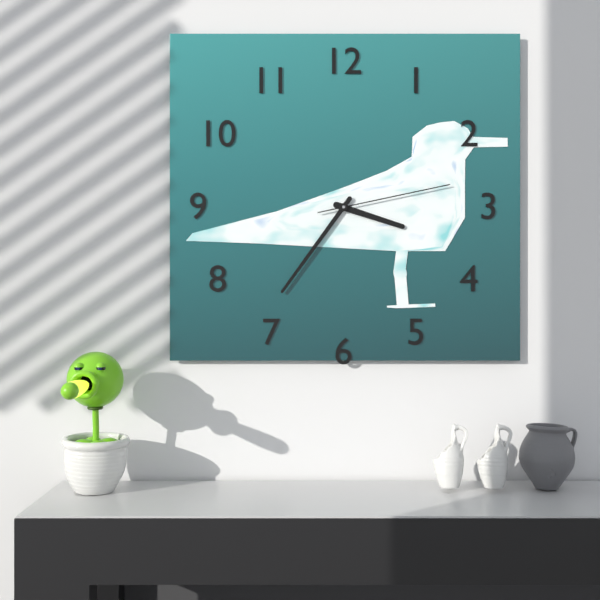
3,36,13
